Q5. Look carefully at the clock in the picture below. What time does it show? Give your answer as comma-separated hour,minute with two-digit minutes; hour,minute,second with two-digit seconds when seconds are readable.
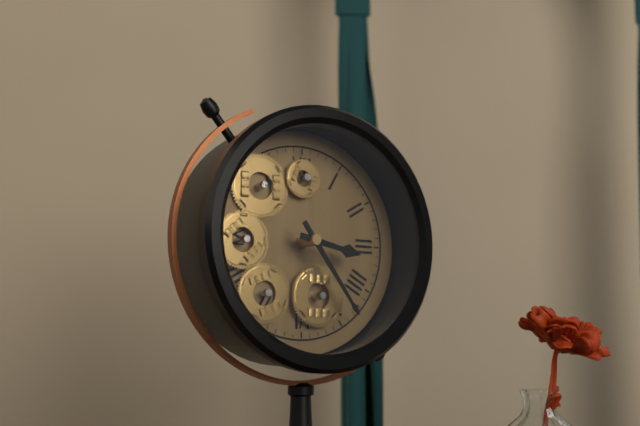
3,24
